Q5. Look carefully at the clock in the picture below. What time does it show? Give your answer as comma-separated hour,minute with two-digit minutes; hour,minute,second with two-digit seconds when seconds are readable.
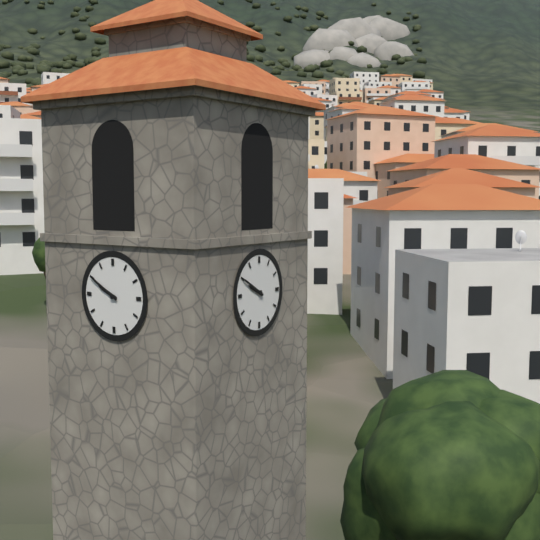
9,50
